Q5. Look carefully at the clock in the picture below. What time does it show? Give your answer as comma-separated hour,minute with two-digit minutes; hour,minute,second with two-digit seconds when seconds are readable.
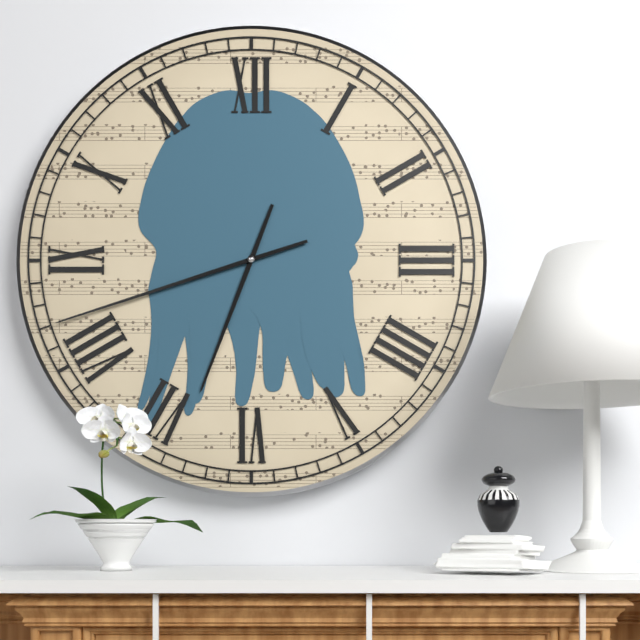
6,42
